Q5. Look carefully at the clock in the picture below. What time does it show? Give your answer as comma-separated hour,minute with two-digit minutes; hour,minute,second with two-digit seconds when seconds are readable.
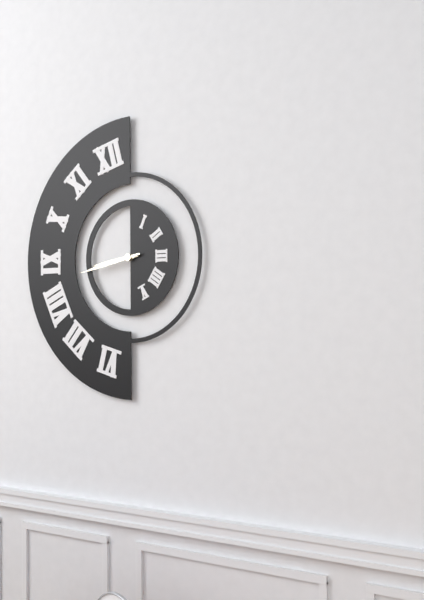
8,43
